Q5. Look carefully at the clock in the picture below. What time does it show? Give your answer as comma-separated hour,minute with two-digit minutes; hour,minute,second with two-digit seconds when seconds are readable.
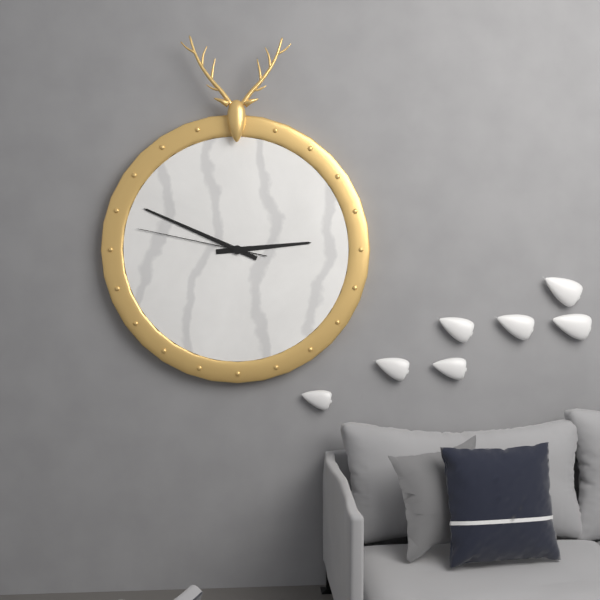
2,49,47
